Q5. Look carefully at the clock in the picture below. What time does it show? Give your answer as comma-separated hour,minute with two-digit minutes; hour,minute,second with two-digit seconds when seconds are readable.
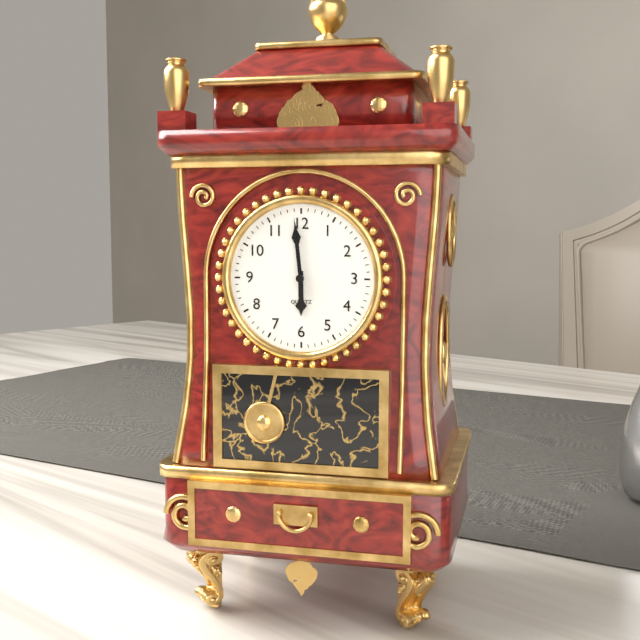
5,59,59
